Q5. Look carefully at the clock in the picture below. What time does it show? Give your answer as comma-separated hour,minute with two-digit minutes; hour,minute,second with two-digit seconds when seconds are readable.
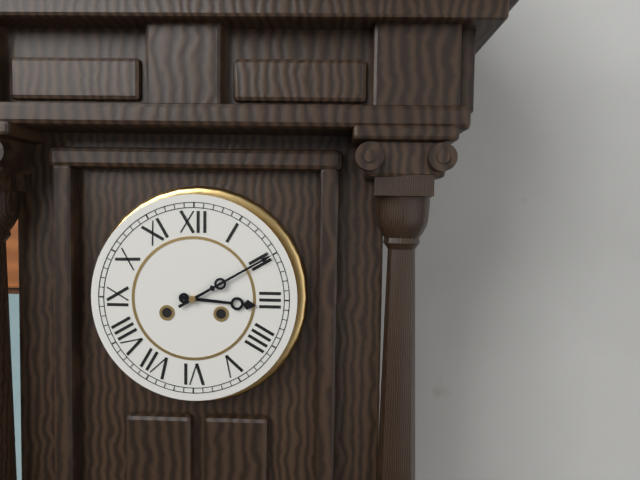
3,10
